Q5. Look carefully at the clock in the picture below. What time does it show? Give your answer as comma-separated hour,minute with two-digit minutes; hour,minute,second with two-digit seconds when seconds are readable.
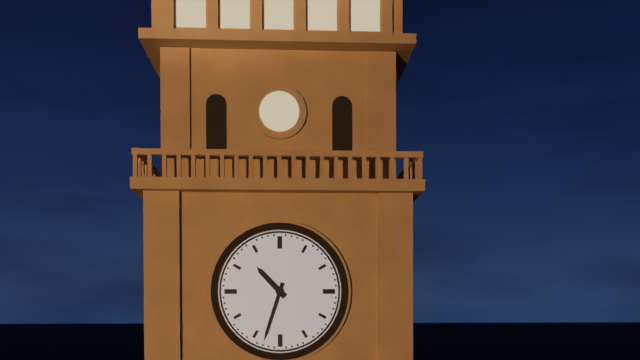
10,33
